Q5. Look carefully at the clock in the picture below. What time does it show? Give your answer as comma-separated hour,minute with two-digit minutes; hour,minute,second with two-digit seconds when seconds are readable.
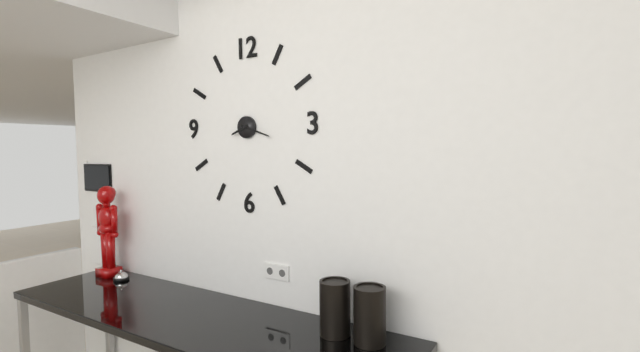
8,18
